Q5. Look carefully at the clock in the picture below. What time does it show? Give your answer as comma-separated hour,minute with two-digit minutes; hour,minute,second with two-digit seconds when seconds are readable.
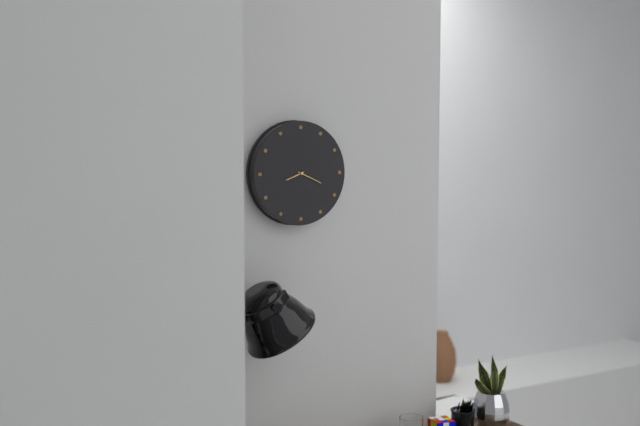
8,19
